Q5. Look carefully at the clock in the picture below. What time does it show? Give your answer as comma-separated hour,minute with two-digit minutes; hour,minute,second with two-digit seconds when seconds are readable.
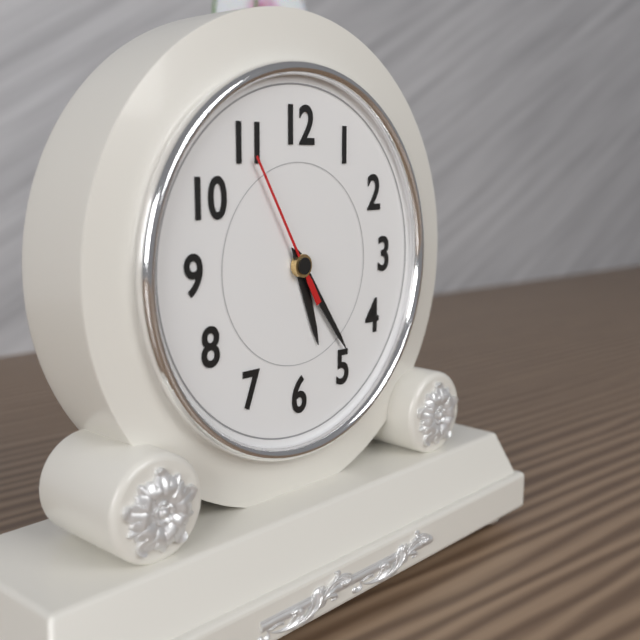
5,24,55
